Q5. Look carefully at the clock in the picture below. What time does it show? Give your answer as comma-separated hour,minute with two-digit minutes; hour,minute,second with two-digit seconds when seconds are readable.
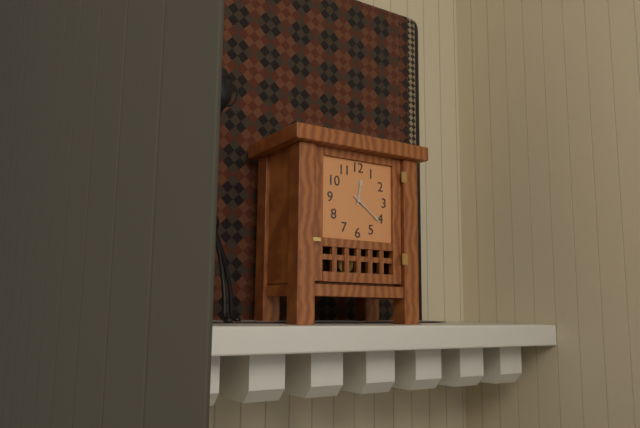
12,21
